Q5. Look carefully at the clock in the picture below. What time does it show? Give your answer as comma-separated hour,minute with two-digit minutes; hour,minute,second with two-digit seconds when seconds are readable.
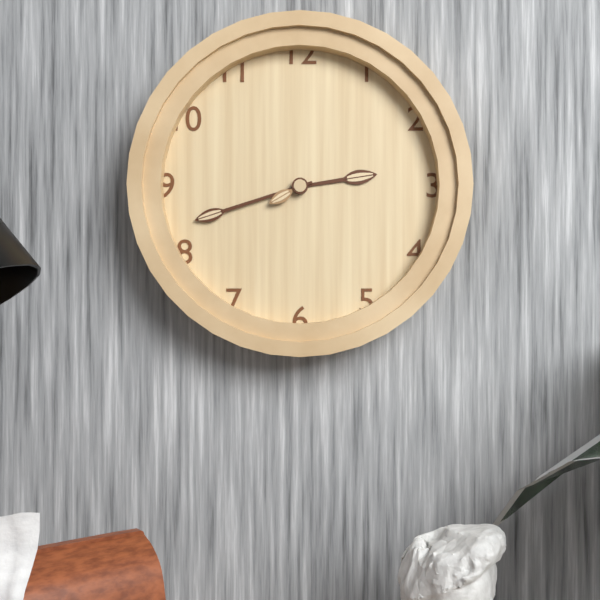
2,42
